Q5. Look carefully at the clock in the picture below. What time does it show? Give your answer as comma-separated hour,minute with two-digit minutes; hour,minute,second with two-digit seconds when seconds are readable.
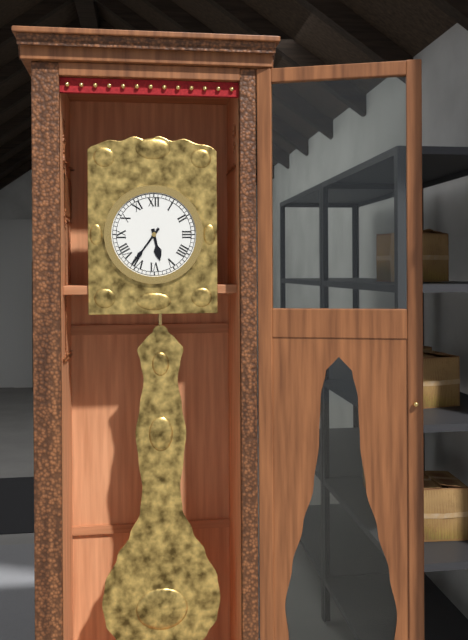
5,36
